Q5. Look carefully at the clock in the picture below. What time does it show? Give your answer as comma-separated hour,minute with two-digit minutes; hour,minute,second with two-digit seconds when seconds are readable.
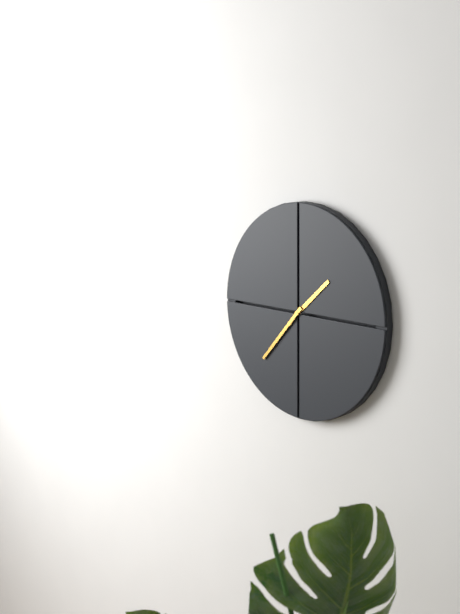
1,37
